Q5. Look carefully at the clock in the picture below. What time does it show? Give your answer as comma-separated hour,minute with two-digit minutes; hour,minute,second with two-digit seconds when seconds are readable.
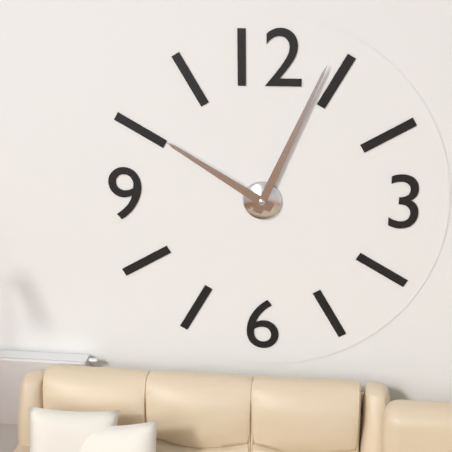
10,04
